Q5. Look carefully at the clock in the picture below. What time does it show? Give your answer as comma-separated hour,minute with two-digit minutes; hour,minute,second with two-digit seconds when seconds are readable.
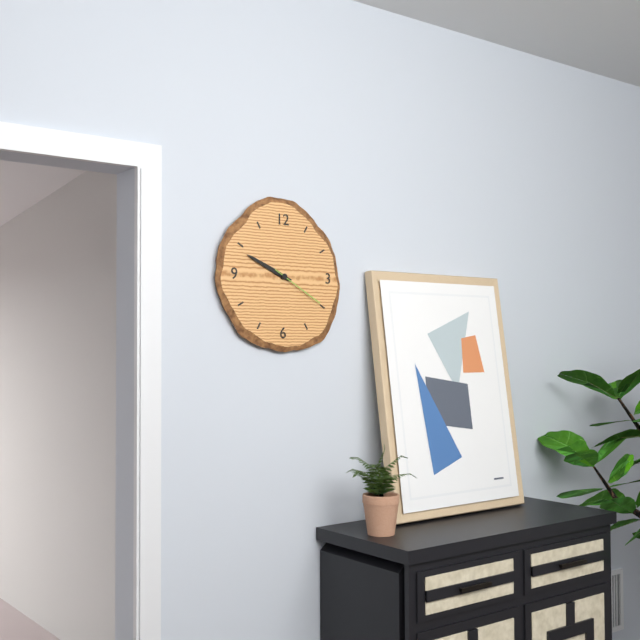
9,49,20
